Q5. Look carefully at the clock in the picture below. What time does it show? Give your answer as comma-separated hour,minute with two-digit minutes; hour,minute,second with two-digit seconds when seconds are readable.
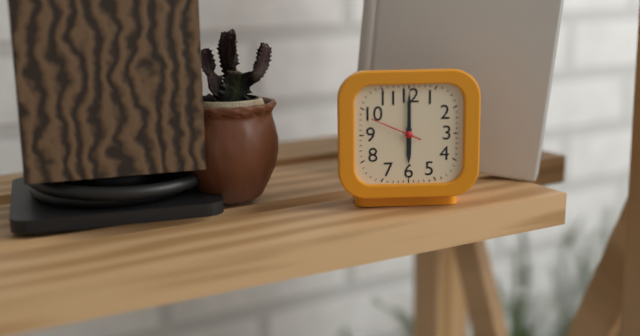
6,00
